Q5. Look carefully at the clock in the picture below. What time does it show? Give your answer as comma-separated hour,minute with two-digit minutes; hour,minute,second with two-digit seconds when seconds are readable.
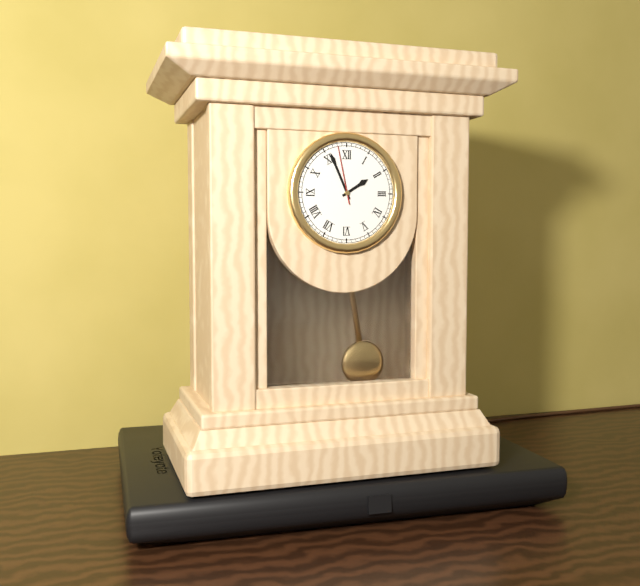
1,56,58
